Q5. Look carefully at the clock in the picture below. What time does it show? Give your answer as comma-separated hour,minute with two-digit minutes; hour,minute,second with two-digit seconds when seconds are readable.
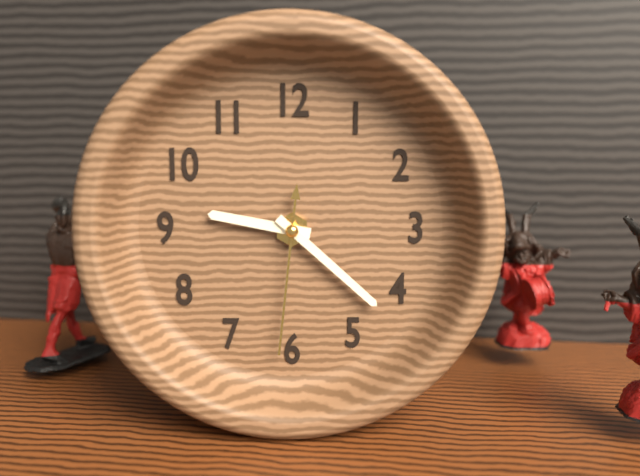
9,22,31
